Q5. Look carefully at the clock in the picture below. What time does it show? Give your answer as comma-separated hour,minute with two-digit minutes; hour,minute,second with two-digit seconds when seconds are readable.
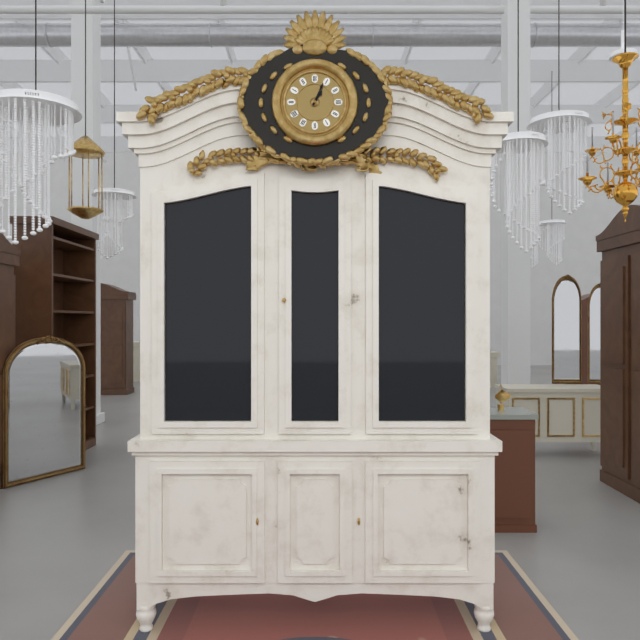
1,04
